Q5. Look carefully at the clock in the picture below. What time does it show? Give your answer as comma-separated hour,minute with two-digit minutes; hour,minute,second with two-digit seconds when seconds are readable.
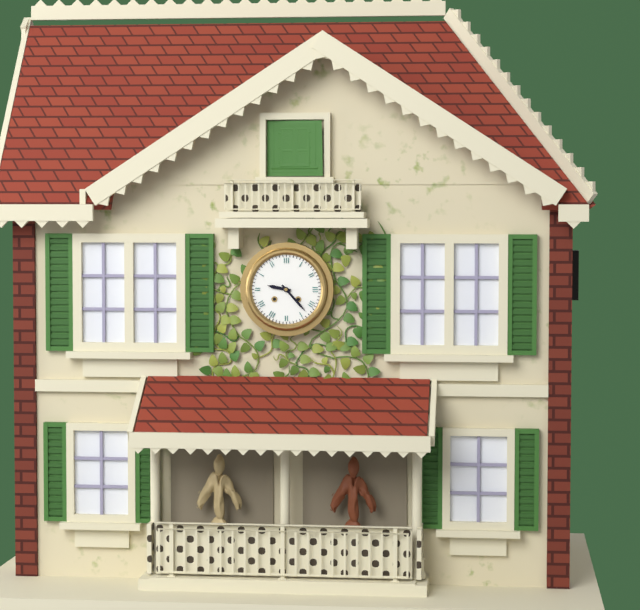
9,23
